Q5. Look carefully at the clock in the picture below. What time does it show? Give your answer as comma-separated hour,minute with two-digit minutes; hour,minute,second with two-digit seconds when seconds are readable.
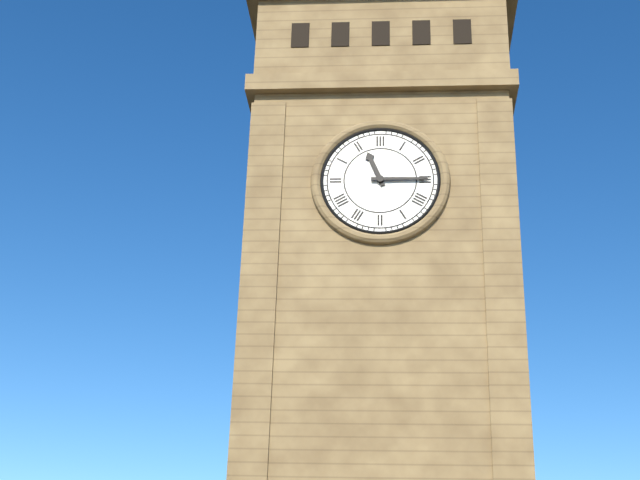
11,15
